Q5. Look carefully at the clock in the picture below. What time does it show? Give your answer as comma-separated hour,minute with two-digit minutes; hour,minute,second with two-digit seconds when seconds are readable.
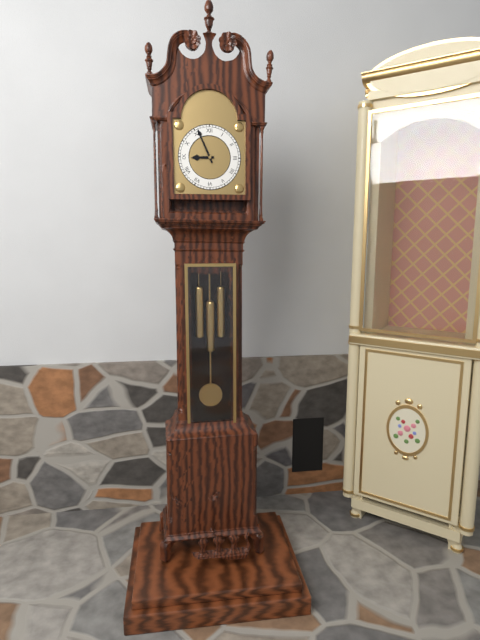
8,56
